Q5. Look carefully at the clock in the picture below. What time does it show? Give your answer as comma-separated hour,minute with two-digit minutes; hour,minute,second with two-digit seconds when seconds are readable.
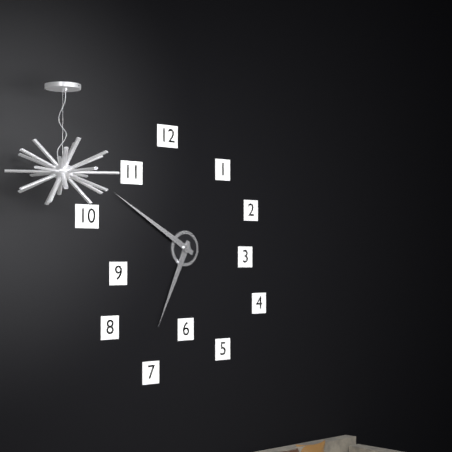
6,50
